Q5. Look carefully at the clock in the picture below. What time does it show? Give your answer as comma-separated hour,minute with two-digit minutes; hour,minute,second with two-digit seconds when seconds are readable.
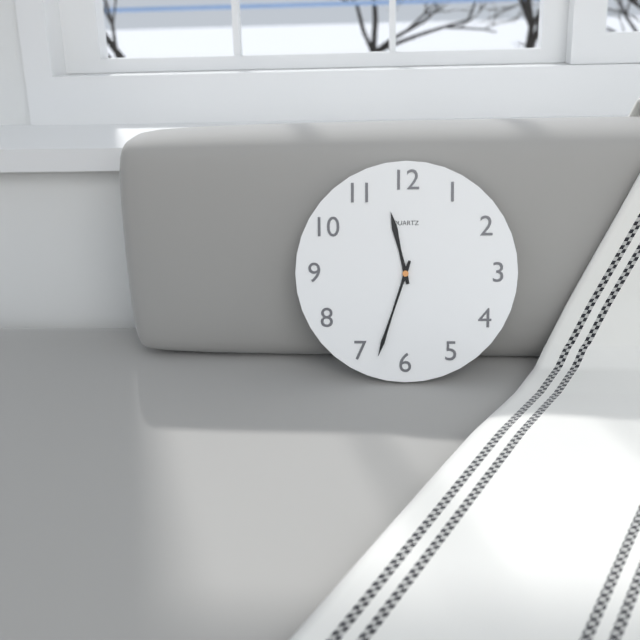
11,33
